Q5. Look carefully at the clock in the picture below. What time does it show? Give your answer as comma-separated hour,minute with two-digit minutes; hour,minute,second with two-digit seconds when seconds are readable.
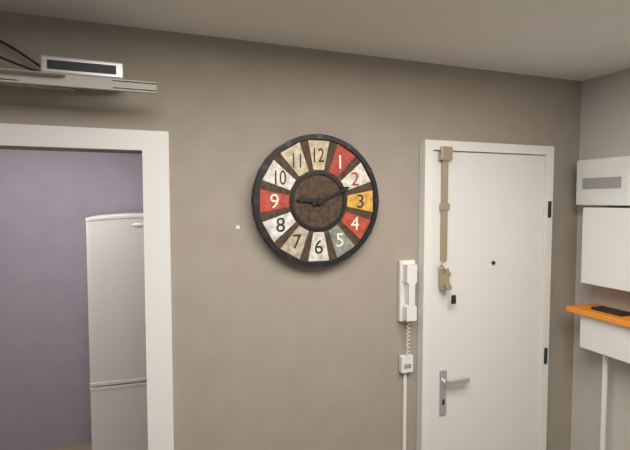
9,11
